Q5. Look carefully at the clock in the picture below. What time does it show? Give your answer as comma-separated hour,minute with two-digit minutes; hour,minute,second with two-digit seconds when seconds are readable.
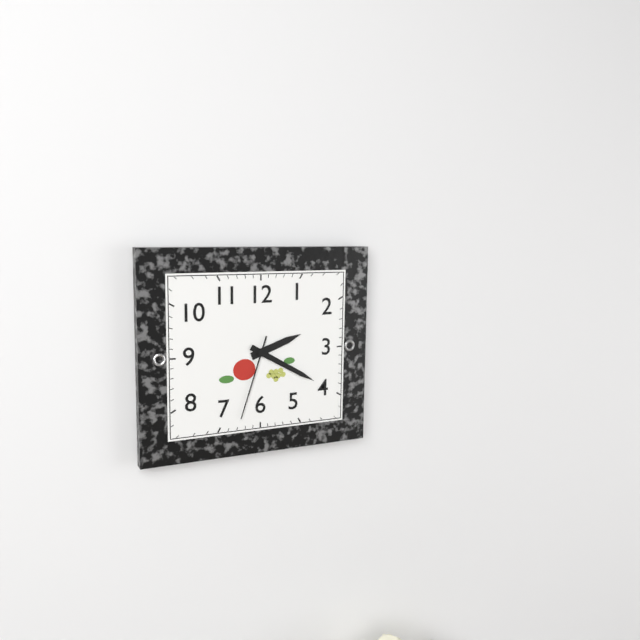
2,20,33
